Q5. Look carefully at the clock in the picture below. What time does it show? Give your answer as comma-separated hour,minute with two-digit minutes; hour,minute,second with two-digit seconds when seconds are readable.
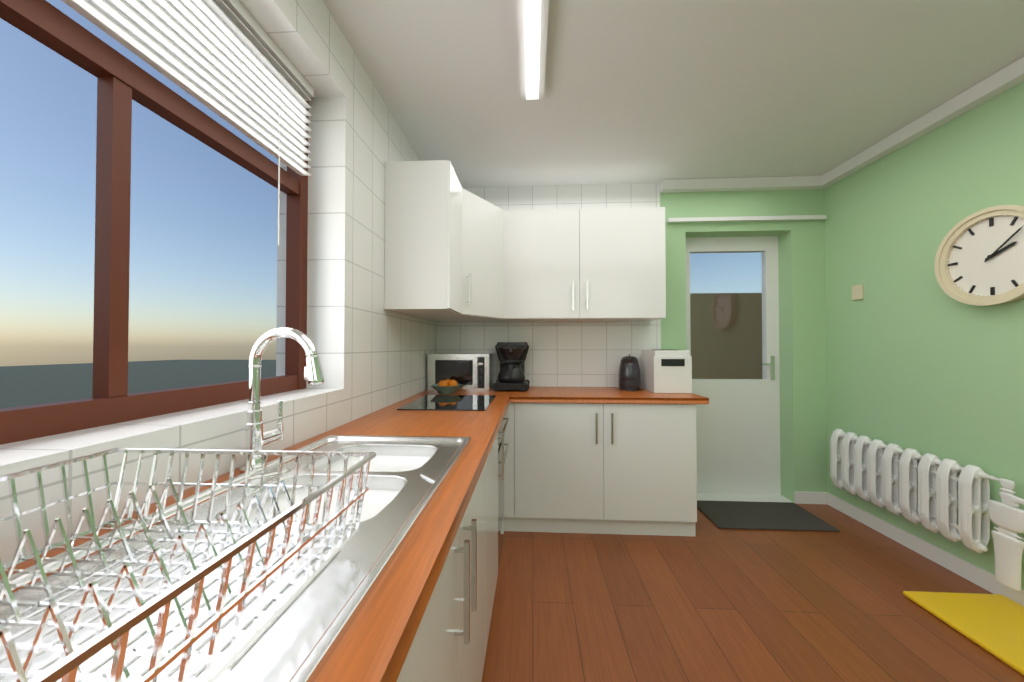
2,08
